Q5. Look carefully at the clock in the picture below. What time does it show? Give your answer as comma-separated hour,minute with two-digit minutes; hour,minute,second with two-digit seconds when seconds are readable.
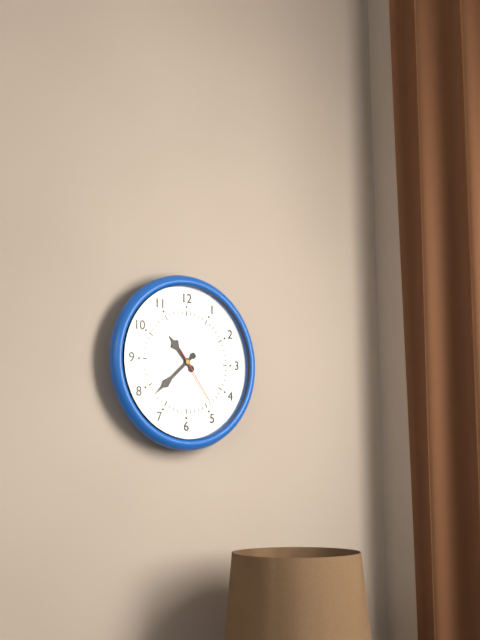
10,38,24
